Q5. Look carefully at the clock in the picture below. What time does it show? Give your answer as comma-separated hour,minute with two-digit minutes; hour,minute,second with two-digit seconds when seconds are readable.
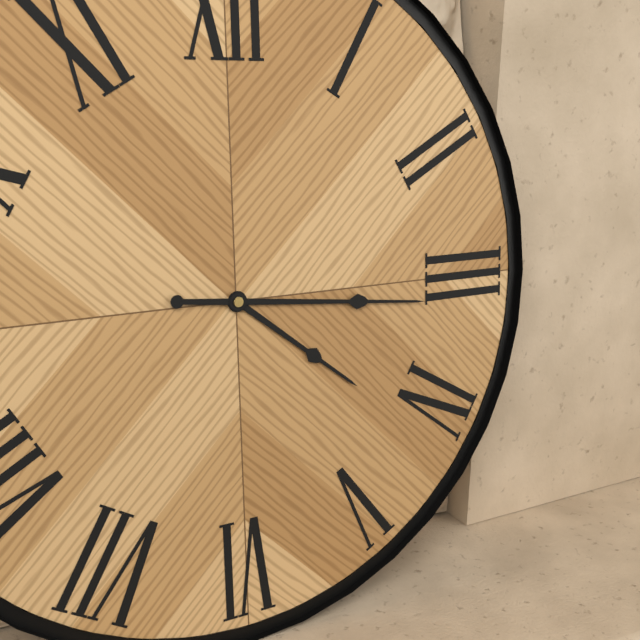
4,16
